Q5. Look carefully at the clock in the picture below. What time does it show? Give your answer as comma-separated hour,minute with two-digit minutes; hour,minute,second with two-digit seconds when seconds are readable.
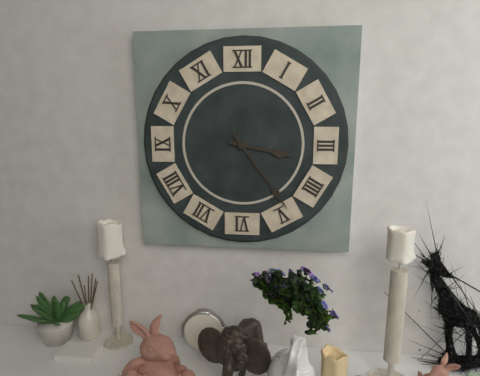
3,24
